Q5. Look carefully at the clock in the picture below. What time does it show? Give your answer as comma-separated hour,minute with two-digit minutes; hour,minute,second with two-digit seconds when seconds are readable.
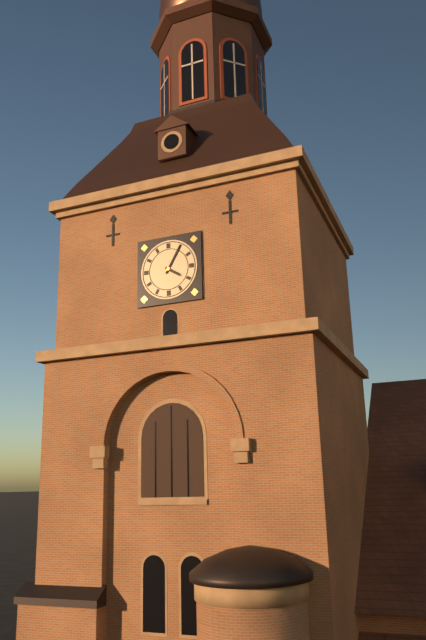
4,05
